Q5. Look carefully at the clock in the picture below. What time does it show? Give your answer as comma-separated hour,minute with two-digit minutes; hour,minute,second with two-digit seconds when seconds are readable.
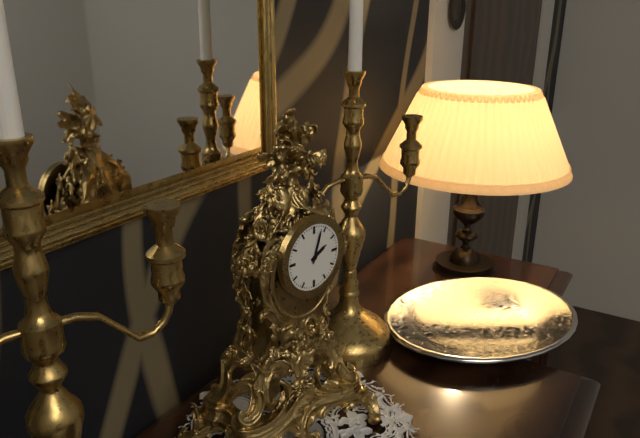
2,03
